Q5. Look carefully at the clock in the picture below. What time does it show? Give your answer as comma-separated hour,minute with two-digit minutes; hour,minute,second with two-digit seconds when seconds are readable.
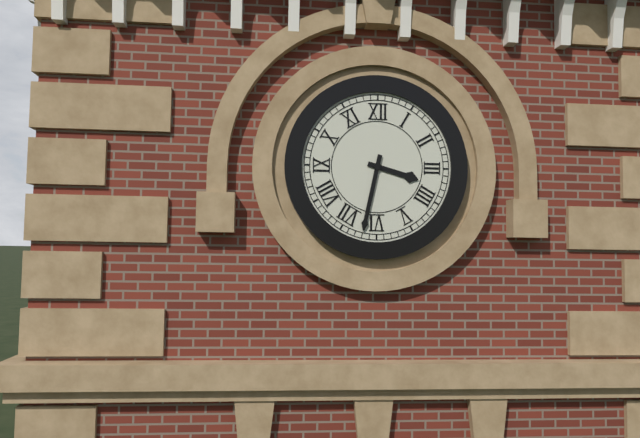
3,32
